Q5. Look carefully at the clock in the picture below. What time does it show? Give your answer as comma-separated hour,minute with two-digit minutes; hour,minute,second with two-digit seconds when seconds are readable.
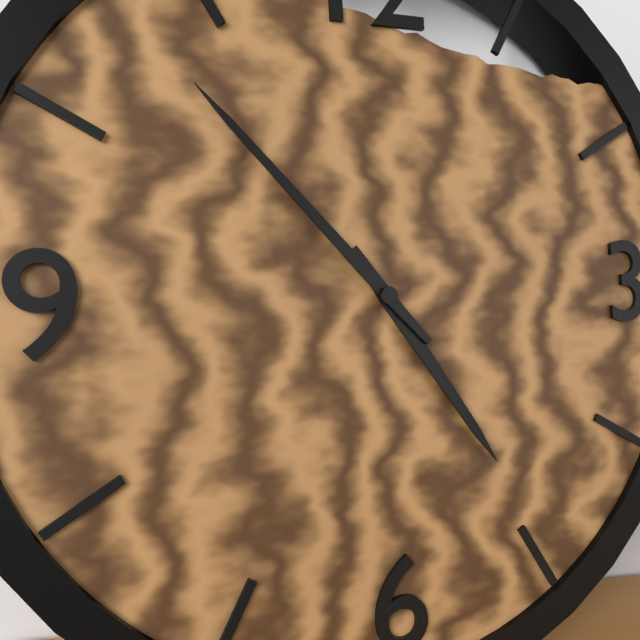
4,53
